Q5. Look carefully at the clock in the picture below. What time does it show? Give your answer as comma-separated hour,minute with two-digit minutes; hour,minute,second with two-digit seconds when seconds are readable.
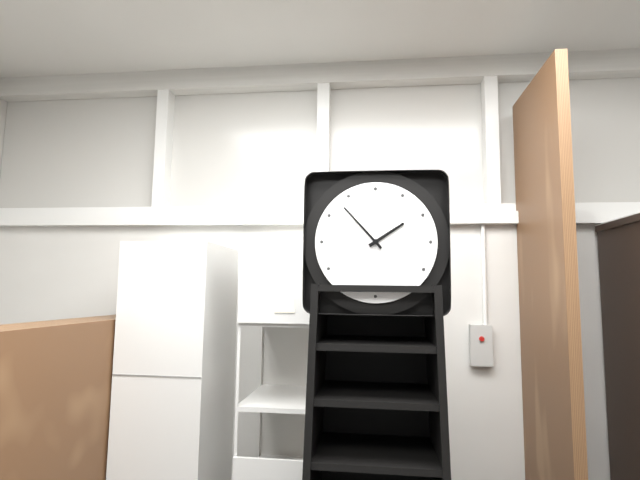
1,53
